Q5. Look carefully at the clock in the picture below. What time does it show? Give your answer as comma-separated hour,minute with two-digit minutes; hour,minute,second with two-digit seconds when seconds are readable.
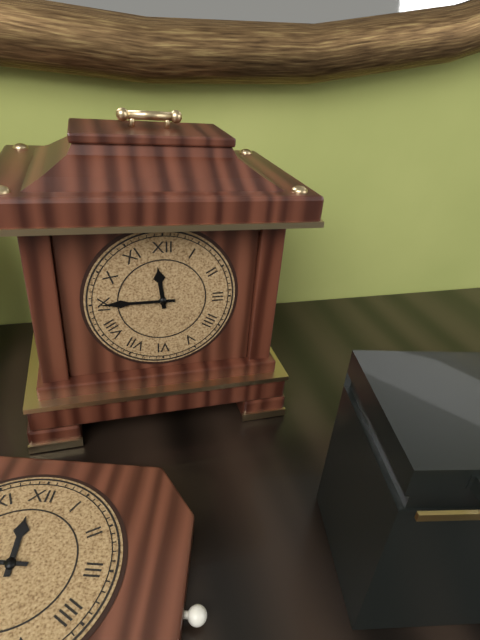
11,45
